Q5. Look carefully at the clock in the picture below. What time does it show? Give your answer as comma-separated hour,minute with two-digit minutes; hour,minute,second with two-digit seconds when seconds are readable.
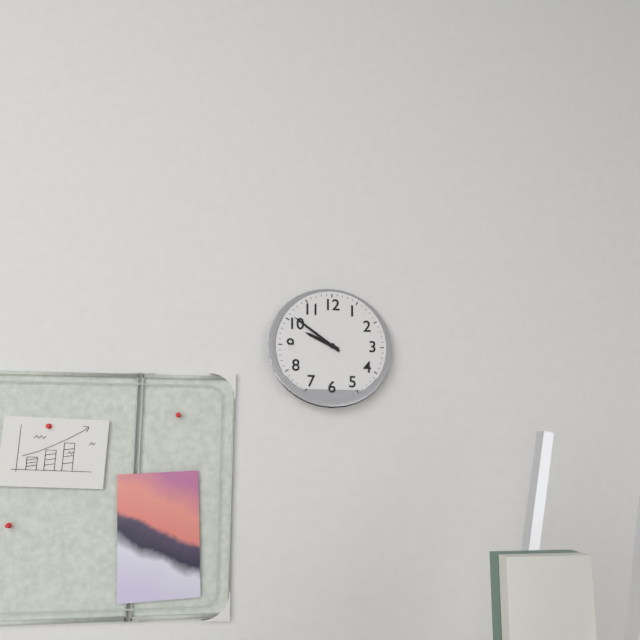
9,51
